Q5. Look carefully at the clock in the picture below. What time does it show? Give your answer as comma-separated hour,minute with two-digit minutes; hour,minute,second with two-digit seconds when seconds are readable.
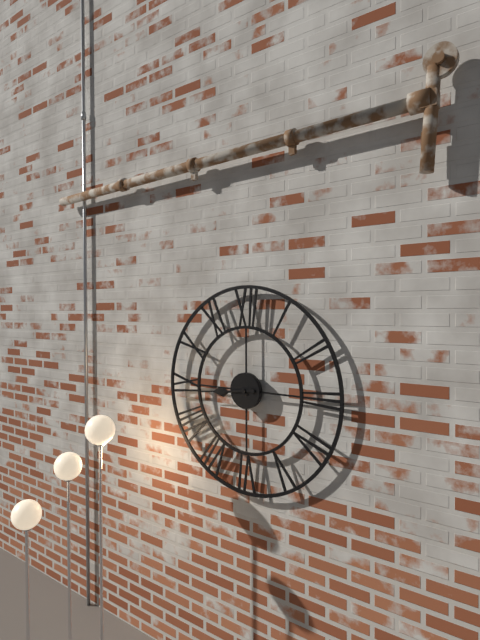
8,44
